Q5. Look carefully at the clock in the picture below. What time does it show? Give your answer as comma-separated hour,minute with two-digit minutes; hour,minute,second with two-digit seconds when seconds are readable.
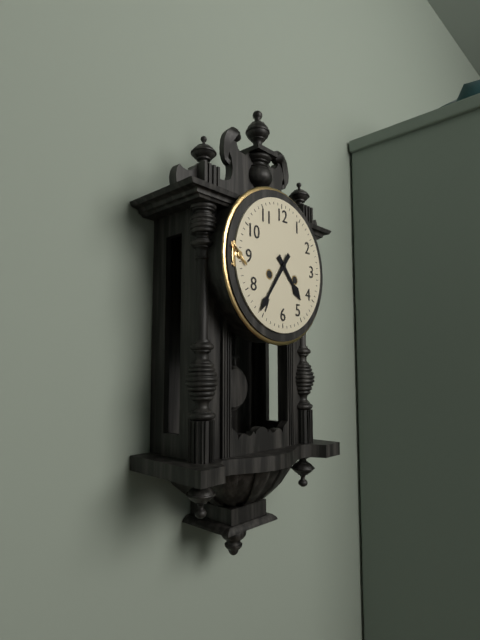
4,36
